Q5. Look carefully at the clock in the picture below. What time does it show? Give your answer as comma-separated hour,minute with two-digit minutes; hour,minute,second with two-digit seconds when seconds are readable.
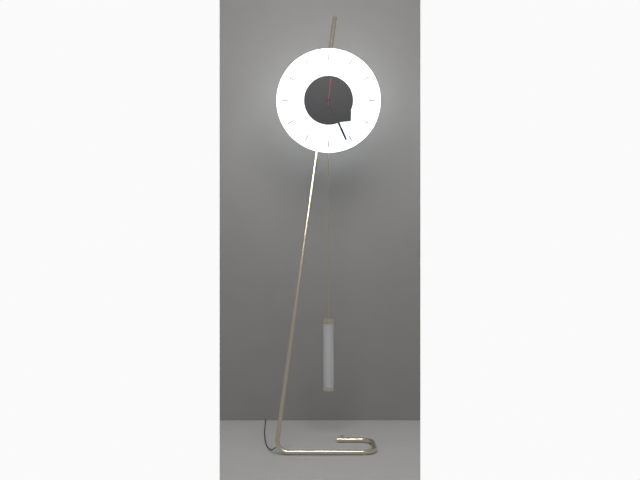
4,26
